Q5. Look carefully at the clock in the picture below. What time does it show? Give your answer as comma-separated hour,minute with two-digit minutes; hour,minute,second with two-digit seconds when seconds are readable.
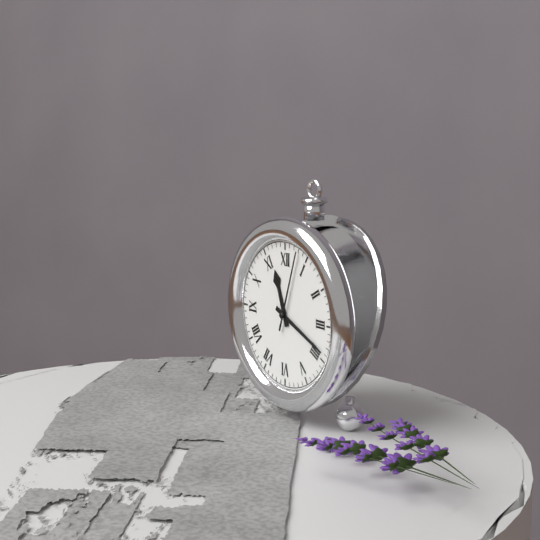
11,19,03
